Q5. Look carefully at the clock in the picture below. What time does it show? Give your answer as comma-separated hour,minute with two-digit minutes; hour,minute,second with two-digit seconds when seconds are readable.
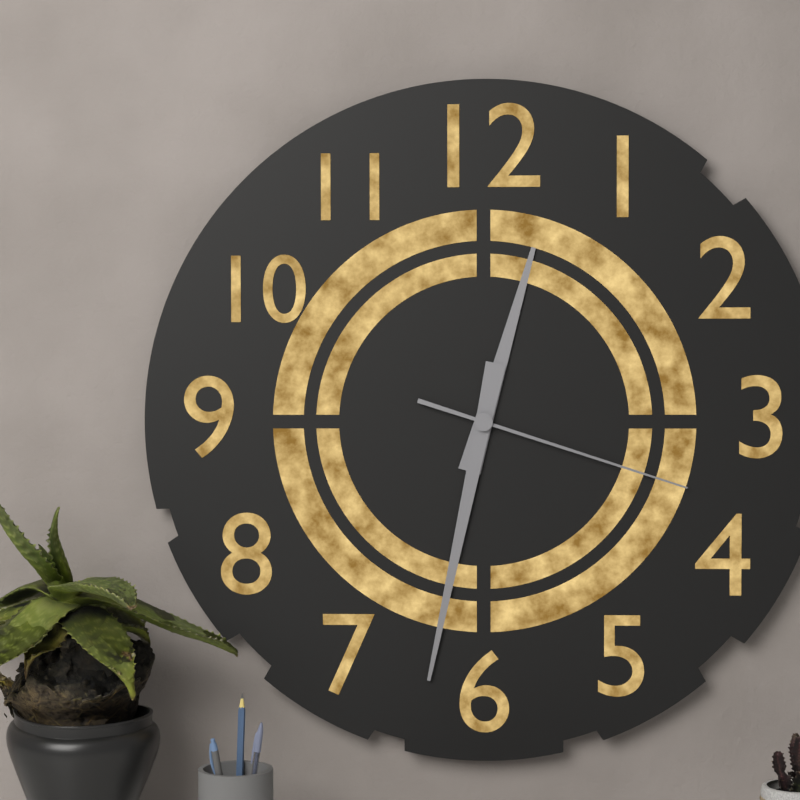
12,32,18
